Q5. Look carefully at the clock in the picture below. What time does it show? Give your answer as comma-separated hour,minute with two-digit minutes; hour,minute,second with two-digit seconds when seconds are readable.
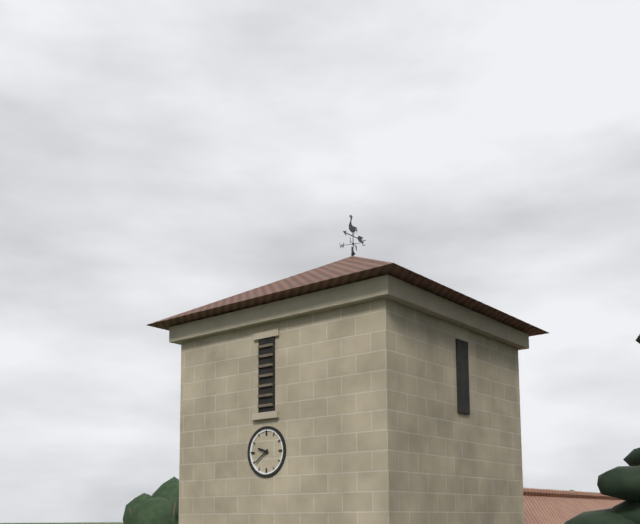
9,39
